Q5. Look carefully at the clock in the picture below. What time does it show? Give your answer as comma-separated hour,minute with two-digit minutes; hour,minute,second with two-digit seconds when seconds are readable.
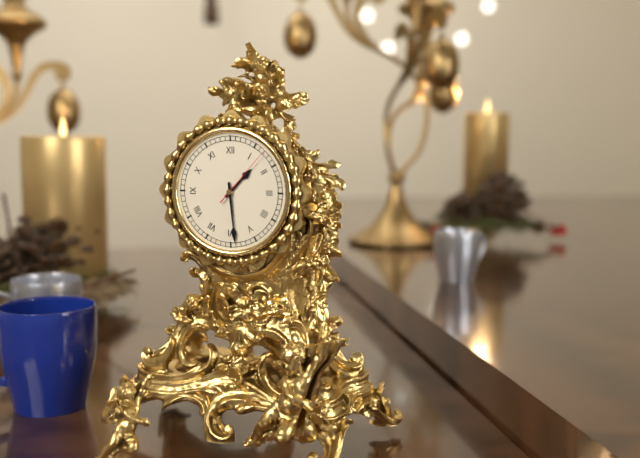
1,29,07
